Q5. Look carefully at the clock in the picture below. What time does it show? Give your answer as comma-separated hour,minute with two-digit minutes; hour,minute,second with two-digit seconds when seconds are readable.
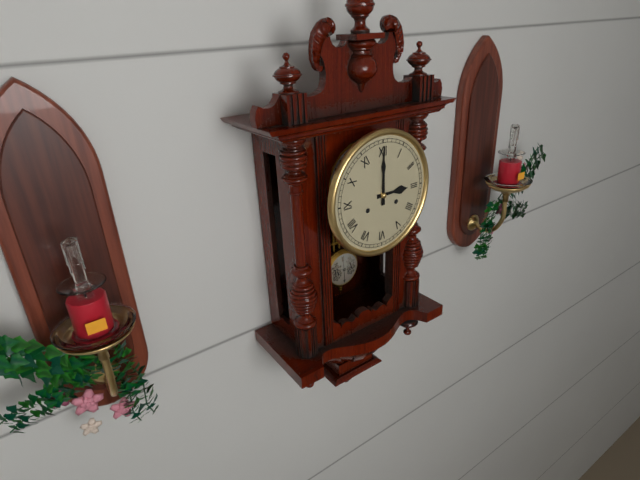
3,00
